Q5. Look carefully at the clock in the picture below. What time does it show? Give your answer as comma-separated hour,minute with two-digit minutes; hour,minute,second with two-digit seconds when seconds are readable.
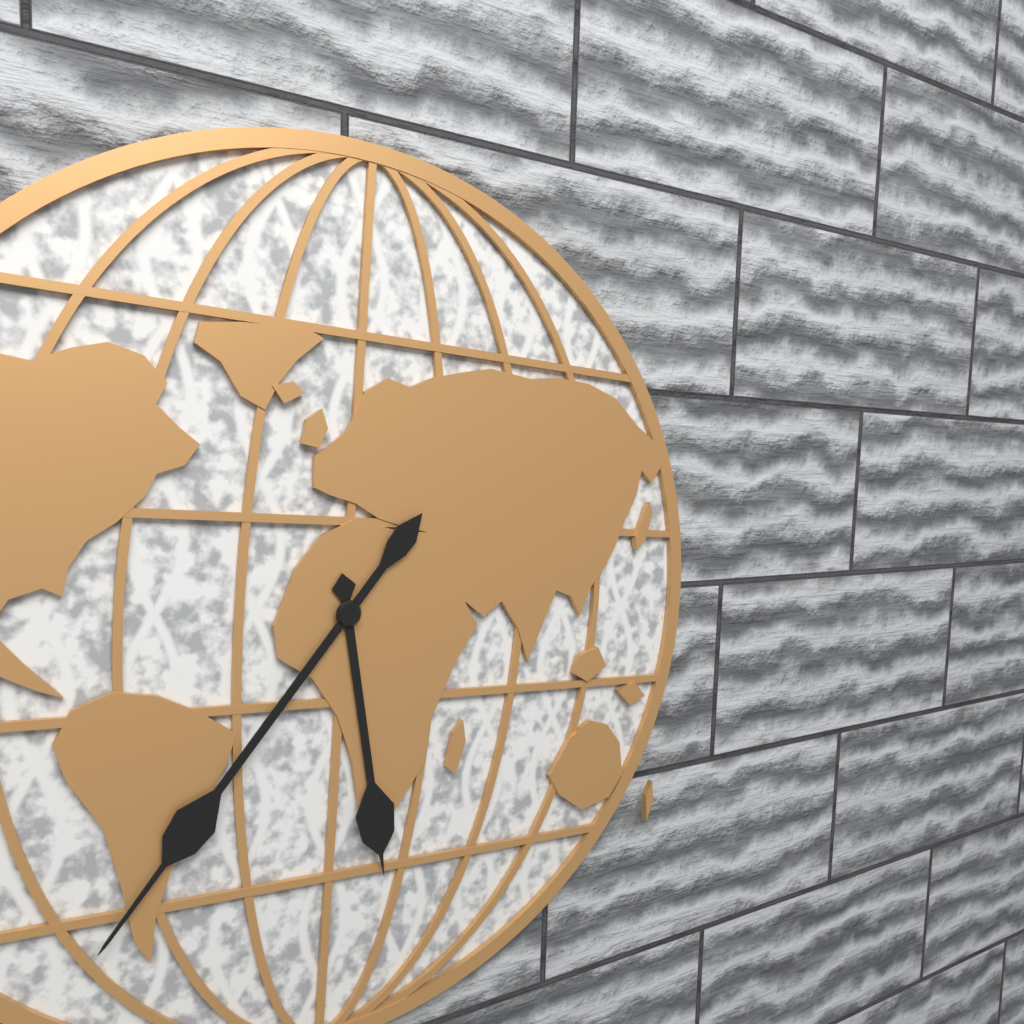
5,36
